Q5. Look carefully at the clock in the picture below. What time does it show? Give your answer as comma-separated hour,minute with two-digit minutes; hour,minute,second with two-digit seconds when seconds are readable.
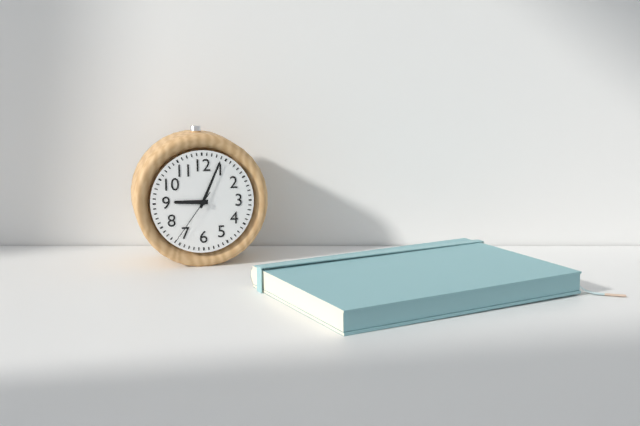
9,04,36
